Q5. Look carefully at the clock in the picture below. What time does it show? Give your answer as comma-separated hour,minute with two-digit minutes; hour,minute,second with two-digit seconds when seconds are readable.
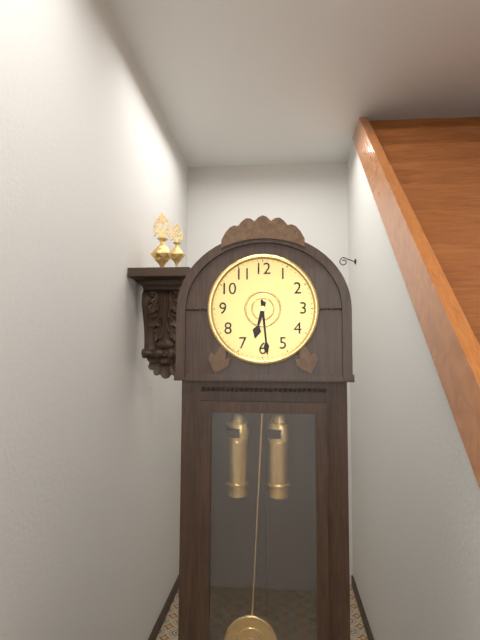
6,29
